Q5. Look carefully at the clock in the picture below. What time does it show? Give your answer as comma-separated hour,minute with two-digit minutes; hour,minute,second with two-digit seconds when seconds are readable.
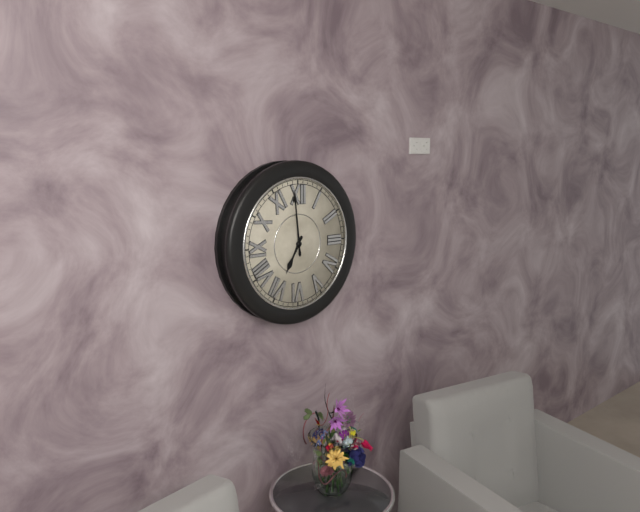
6,59
